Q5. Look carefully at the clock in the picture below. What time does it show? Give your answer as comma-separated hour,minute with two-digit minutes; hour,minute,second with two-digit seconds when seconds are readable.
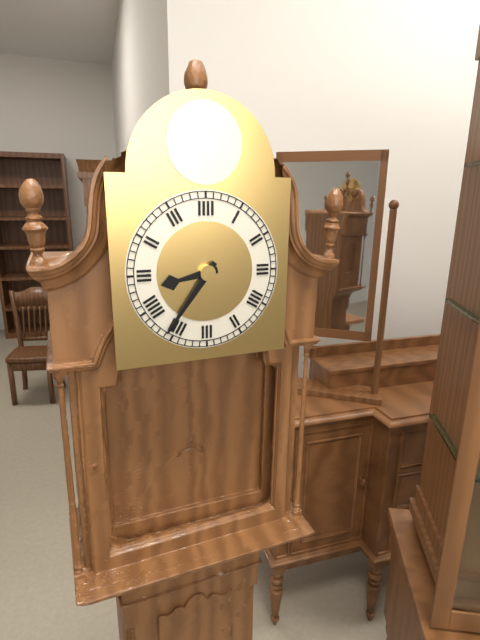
8,36
